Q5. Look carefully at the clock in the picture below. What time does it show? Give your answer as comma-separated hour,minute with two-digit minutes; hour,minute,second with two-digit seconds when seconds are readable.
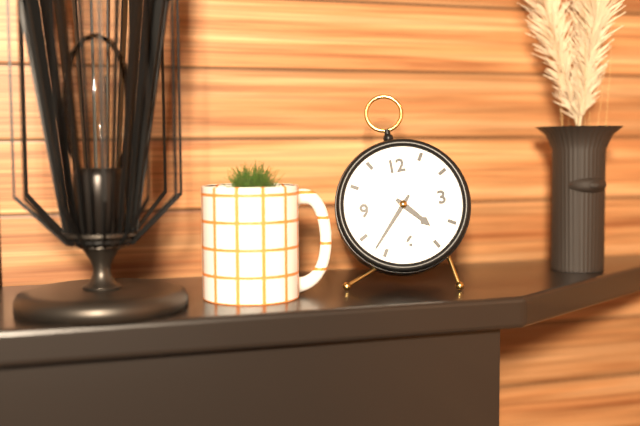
4,37
